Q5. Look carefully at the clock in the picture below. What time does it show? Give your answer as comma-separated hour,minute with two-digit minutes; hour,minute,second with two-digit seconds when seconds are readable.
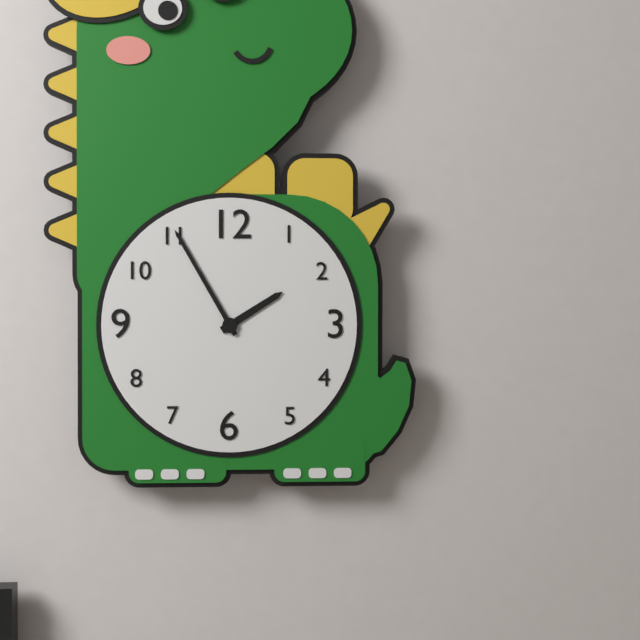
1,55
